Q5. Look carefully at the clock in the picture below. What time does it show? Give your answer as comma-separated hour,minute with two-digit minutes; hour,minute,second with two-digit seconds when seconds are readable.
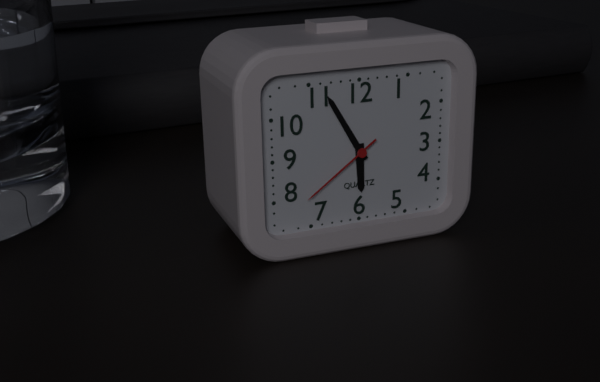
5,55,39
